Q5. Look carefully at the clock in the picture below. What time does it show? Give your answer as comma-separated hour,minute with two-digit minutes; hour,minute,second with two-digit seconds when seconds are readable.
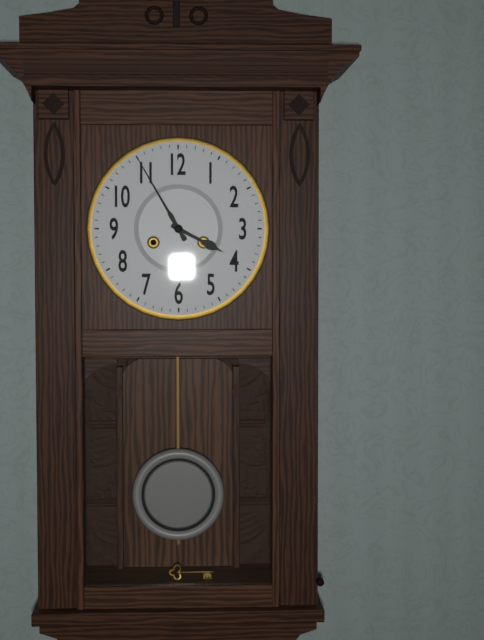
3,55
